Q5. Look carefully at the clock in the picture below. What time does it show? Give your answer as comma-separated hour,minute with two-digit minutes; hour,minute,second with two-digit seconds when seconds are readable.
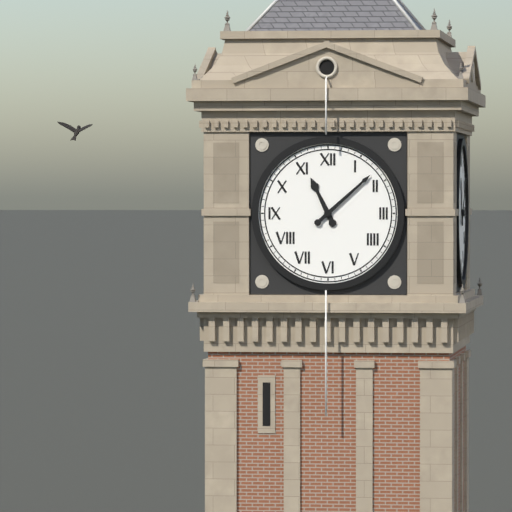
11,08
